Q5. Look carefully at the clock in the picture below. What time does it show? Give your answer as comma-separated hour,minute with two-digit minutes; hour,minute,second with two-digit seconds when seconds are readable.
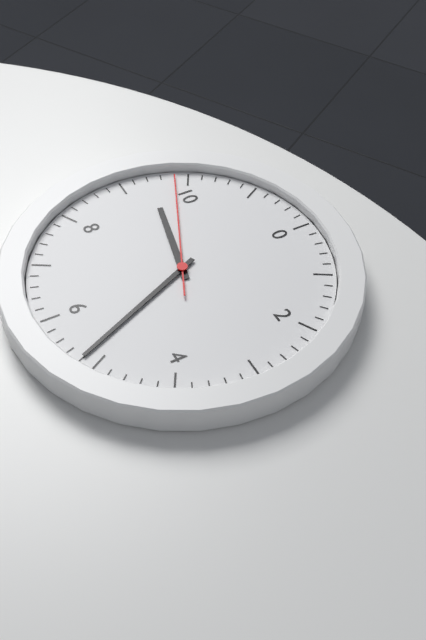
9,26,49
